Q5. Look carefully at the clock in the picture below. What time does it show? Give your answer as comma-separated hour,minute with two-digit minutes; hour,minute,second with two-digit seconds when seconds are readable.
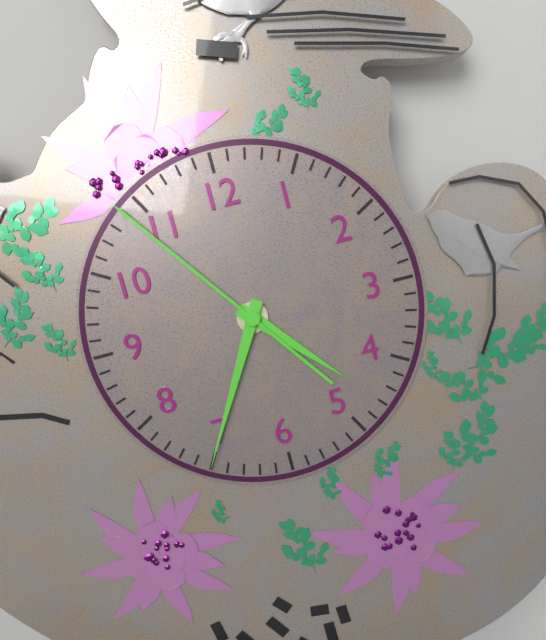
4,35,54
